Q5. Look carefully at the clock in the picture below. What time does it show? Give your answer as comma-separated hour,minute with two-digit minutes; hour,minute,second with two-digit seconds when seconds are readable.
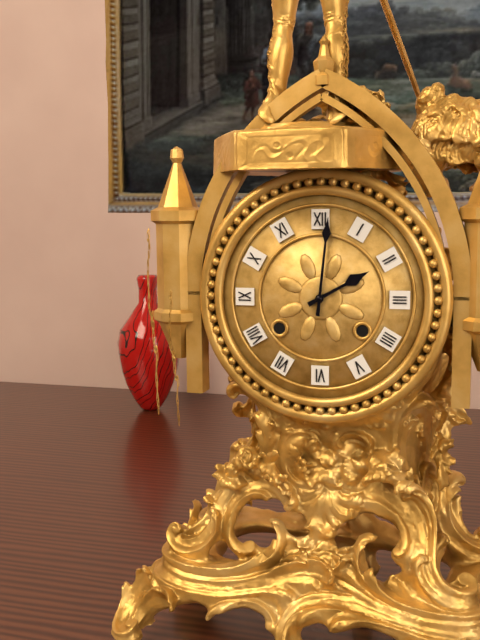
2,01
